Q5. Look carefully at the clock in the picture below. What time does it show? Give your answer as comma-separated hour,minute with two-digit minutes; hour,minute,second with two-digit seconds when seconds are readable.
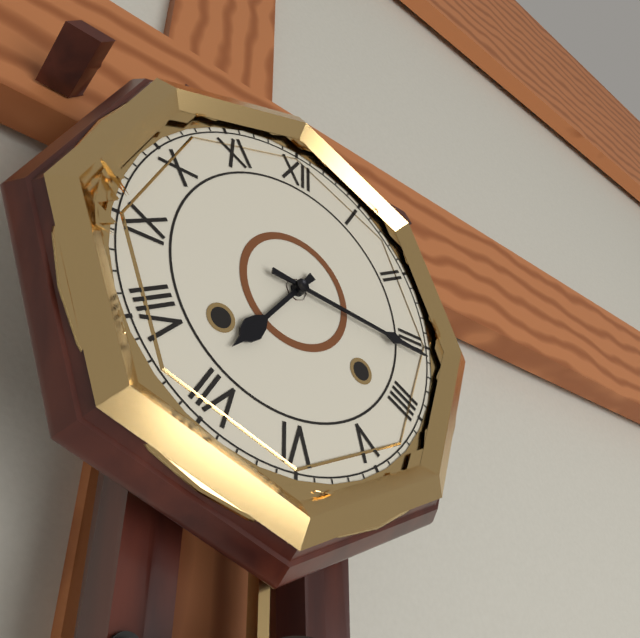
7,16
